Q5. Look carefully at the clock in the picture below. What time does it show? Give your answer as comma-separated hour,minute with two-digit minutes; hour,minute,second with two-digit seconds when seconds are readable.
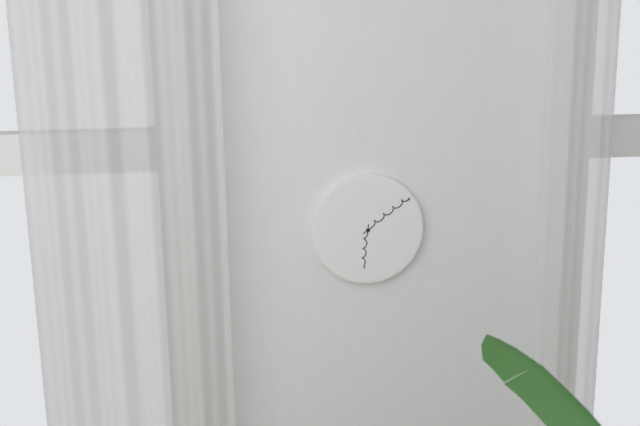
6,09
